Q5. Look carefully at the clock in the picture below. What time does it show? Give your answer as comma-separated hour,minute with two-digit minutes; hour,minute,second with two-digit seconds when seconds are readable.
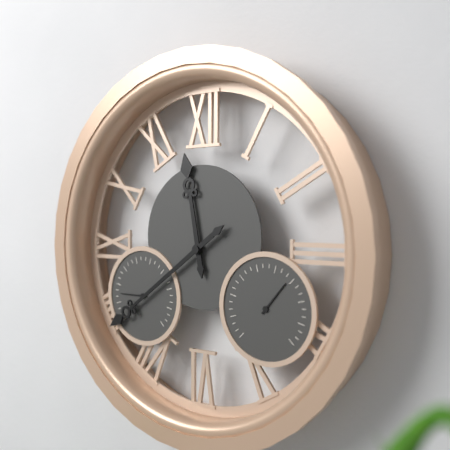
11,39
